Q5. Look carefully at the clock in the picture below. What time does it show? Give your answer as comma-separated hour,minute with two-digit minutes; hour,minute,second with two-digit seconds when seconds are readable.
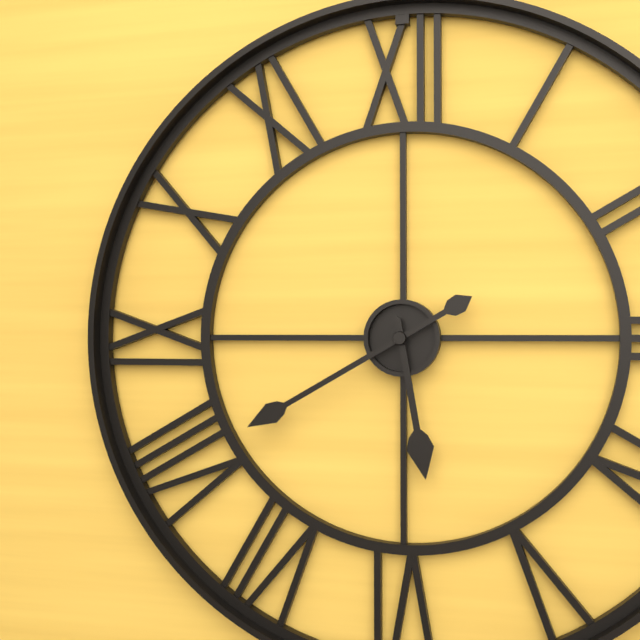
5,40
